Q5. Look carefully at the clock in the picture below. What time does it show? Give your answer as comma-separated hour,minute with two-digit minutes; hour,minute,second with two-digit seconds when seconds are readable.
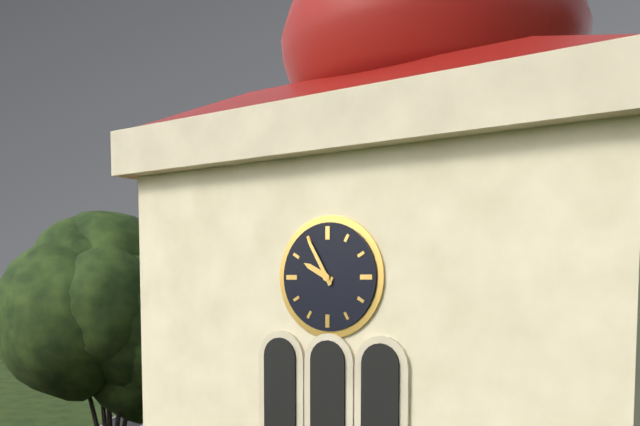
9,55
